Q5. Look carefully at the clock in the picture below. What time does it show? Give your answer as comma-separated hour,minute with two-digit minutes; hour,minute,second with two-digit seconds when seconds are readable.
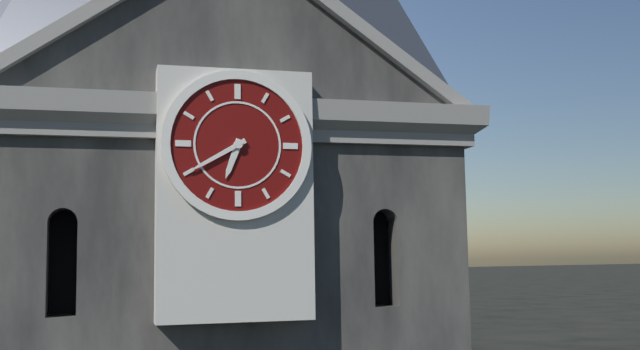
6,40
